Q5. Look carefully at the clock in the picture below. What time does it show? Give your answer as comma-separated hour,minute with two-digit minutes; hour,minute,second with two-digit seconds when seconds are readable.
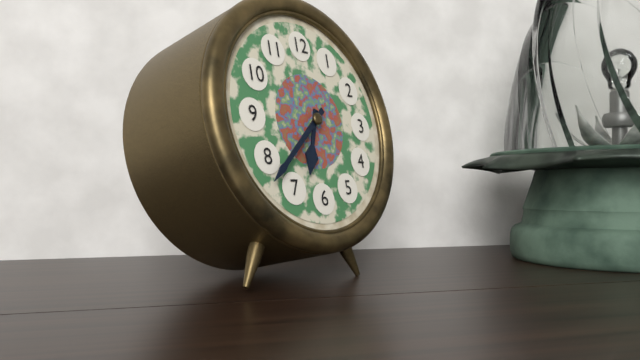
6,38
